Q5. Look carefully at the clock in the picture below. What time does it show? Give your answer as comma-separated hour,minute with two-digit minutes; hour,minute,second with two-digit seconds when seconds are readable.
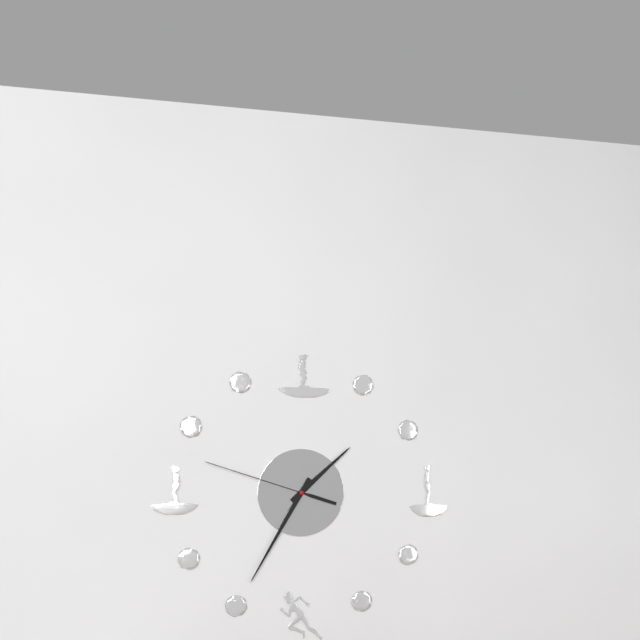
1,35,48
